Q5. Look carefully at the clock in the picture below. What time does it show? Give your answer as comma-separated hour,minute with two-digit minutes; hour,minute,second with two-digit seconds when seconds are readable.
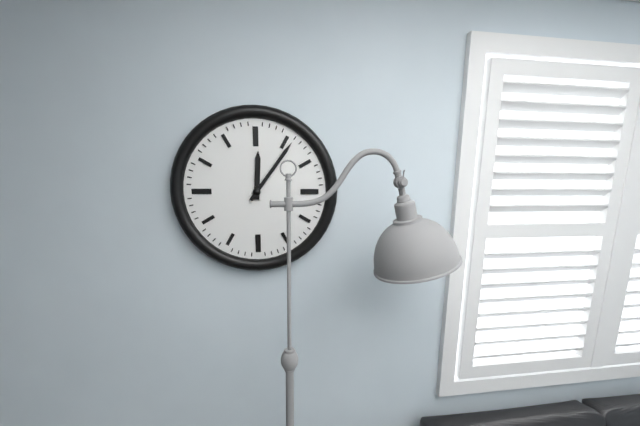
12,06
